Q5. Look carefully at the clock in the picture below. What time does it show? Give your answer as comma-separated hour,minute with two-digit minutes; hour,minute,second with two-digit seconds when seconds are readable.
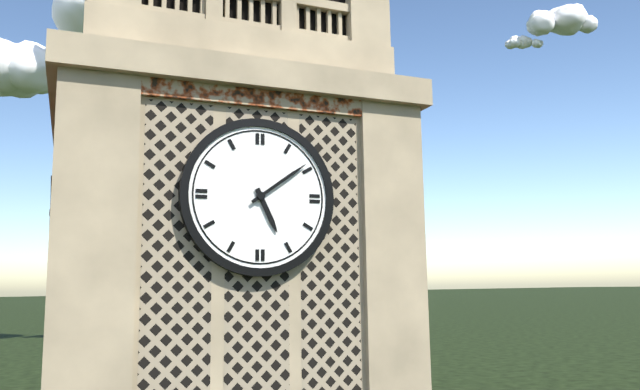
5,09
